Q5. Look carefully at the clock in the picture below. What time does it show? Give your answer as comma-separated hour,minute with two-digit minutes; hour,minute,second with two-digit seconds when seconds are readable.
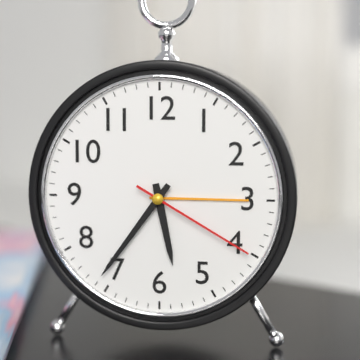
5,36,20
